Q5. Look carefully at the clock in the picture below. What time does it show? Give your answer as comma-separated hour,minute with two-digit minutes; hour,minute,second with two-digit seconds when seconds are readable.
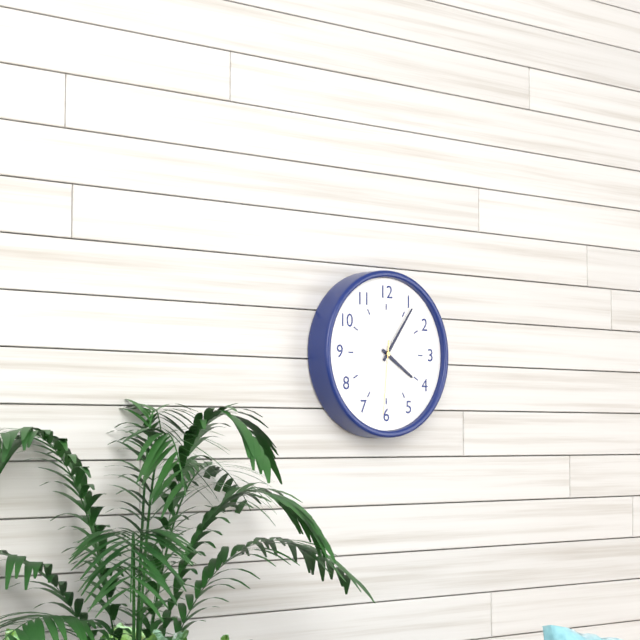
4,06,31
